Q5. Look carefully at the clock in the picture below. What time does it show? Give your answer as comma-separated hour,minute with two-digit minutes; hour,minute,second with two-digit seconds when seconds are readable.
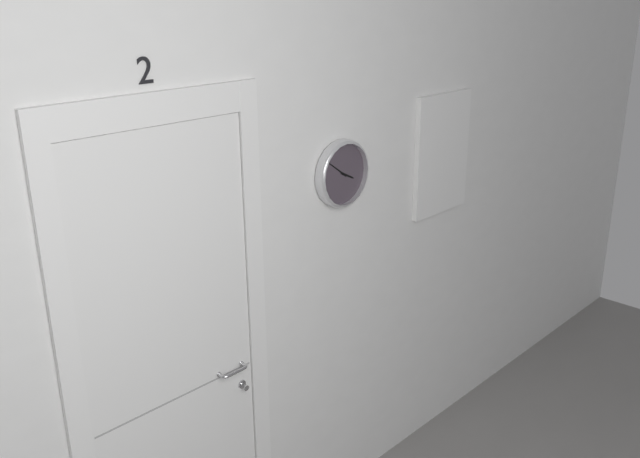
3,51
